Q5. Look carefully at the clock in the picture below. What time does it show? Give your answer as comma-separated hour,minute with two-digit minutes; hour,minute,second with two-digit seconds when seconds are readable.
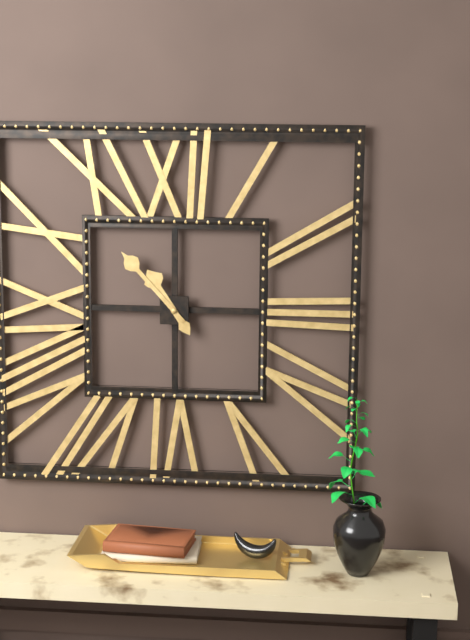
10,53
